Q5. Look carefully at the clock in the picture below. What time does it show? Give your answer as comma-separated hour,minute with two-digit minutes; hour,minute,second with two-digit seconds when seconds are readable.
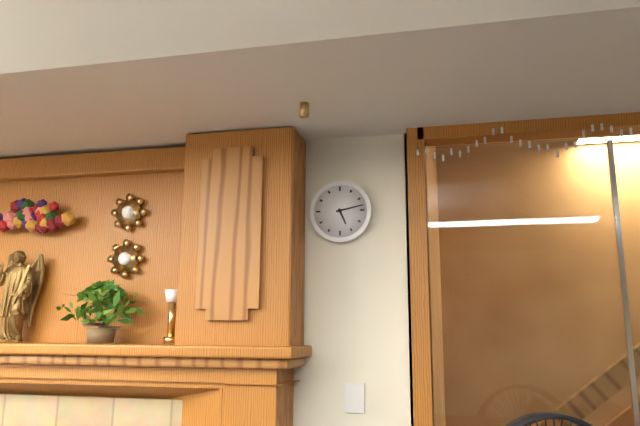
5,13
